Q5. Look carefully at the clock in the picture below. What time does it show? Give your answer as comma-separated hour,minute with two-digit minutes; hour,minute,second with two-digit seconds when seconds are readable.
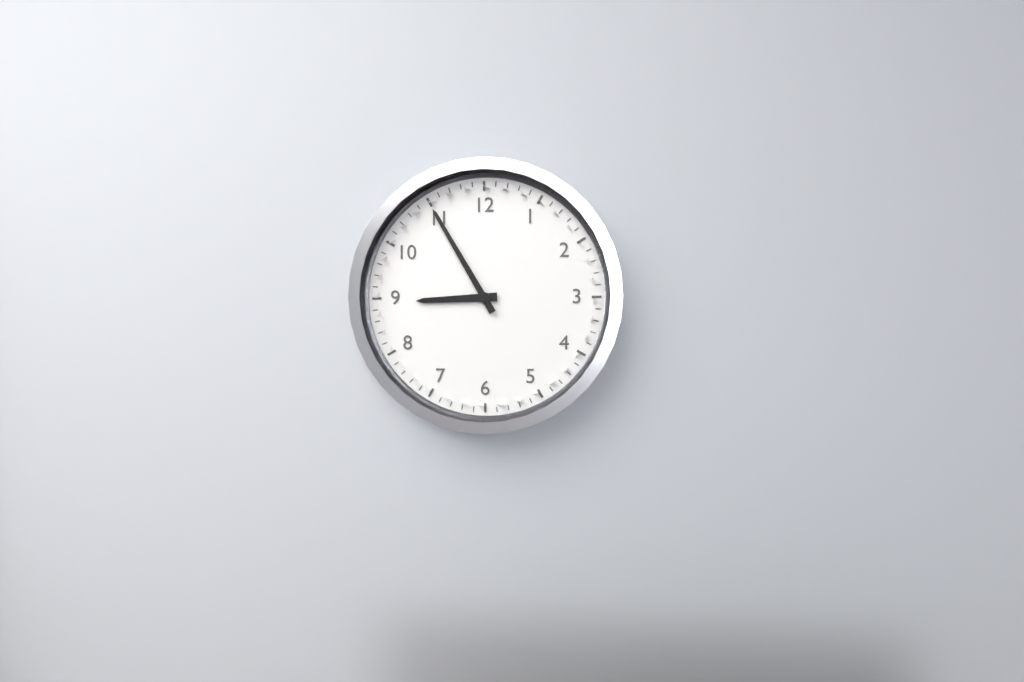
8,55
